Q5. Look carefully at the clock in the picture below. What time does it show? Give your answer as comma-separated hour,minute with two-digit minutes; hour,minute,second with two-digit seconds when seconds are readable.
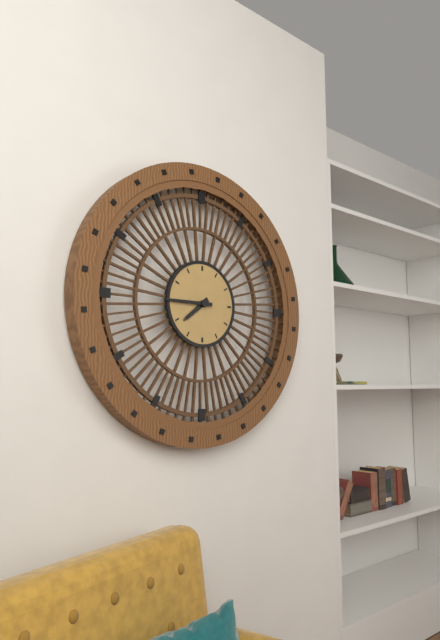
7,45
